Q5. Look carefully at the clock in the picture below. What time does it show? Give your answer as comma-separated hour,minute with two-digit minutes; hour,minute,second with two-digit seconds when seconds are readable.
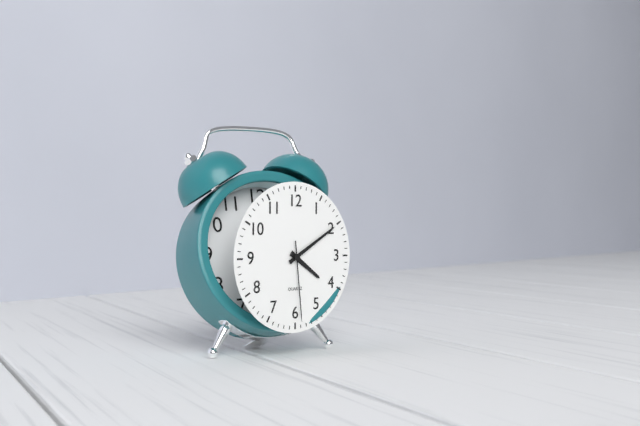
4,10,29
